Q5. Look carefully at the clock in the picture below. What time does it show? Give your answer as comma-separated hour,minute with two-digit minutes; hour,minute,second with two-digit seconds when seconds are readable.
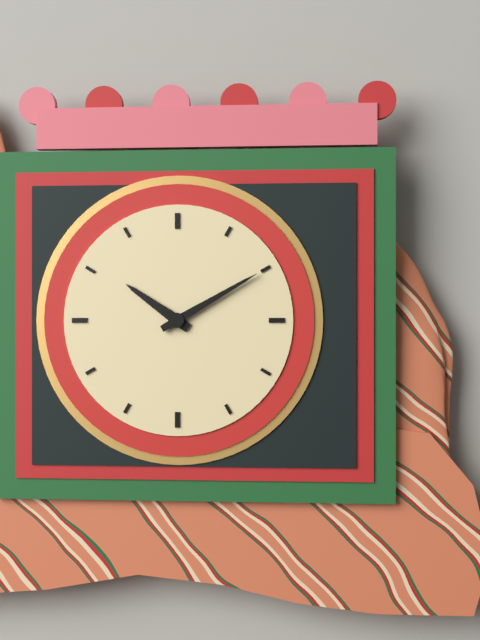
10,10
